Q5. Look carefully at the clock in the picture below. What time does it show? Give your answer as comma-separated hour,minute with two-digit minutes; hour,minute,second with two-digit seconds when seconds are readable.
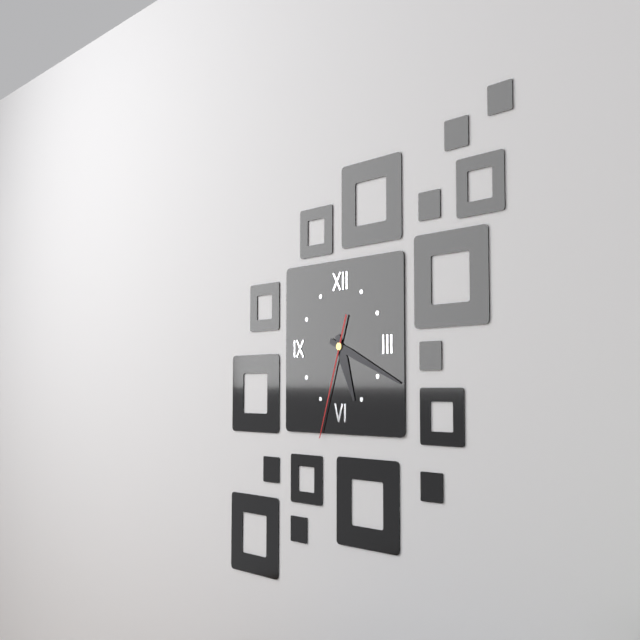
5,19,33
